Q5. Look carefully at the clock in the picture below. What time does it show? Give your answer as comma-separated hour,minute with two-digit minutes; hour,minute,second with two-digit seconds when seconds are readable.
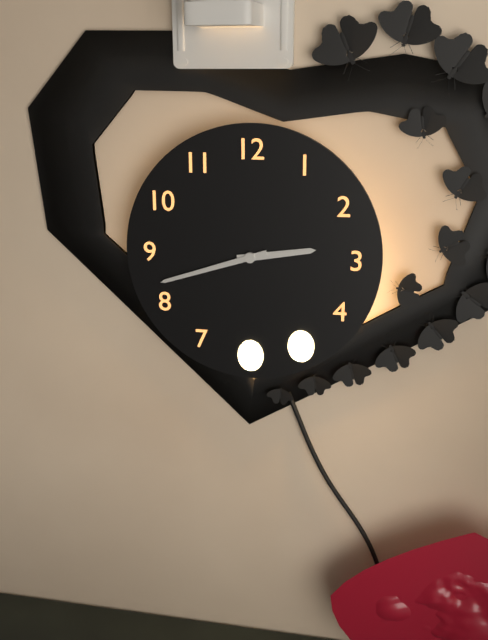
2,42
